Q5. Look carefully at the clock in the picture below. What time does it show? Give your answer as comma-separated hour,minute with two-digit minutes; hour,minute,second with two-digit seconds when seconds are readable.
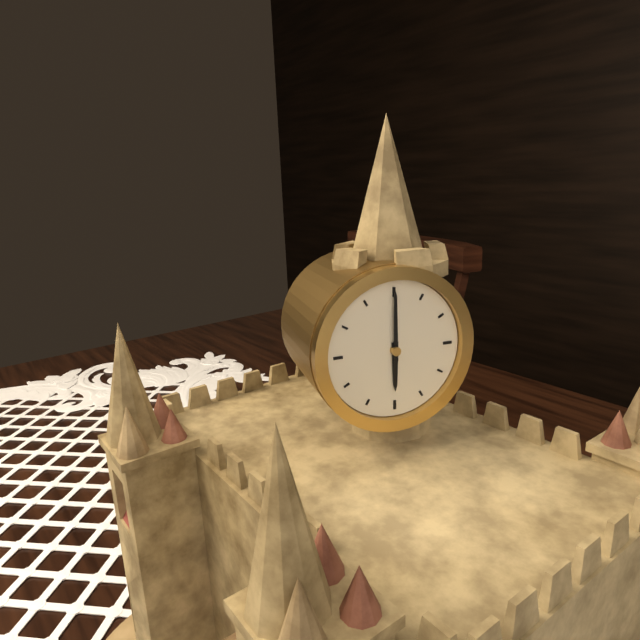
6,00
